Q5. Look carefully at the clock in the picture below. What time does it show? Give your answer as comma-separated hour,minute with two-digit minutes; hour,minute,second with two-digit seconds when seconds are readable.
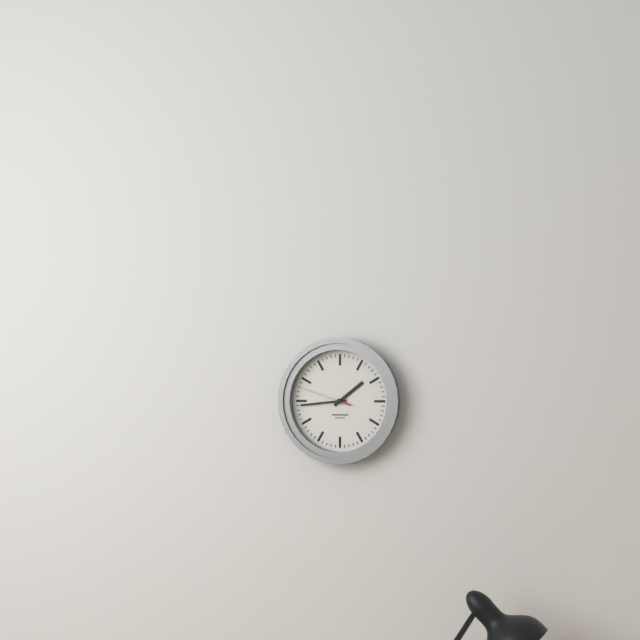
1,44,48
